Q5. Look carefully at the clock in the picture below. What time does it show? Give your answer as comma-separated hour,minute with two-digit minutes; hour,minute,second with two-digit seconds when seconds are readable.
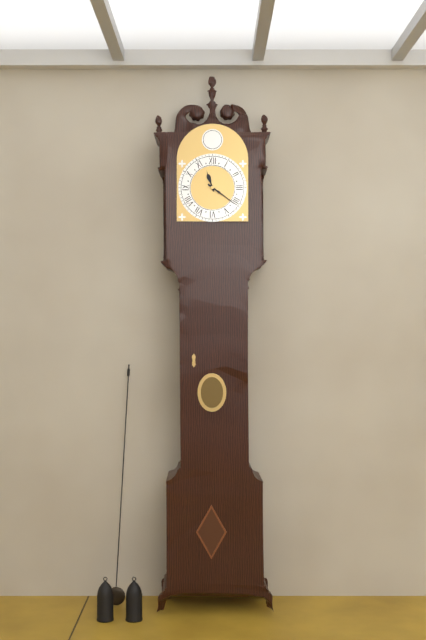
11,21
